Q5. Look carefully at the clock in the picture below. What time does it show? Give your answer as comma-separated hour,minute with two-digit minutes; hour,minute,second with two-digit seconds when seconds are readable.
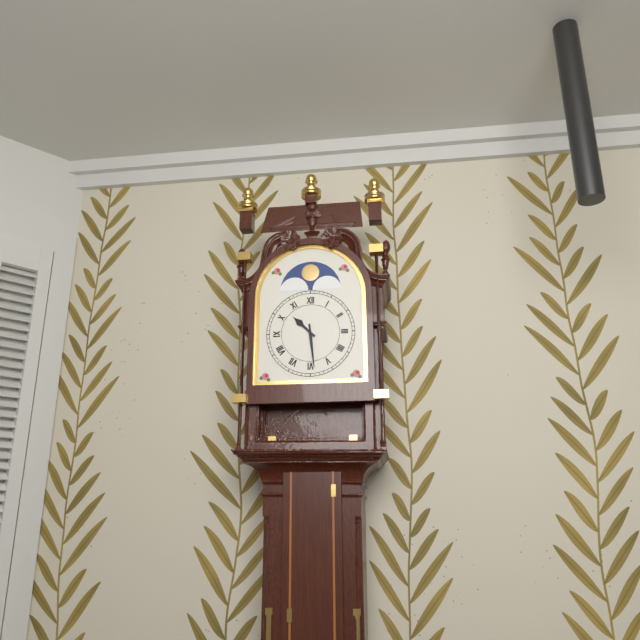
10,29
